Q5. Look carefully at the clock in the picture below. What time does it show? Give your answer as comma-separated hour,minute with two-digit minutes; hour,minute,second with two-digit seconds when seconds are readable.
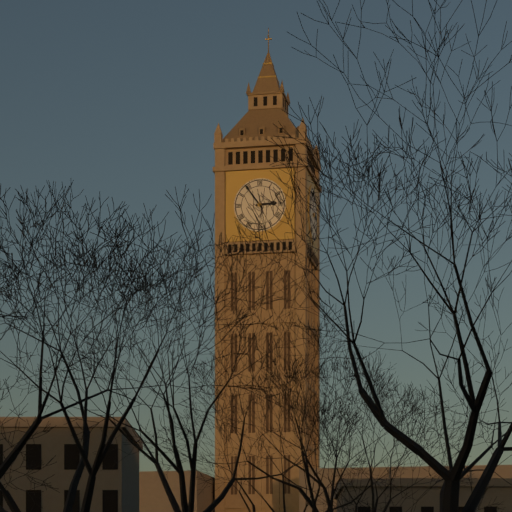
2,54
